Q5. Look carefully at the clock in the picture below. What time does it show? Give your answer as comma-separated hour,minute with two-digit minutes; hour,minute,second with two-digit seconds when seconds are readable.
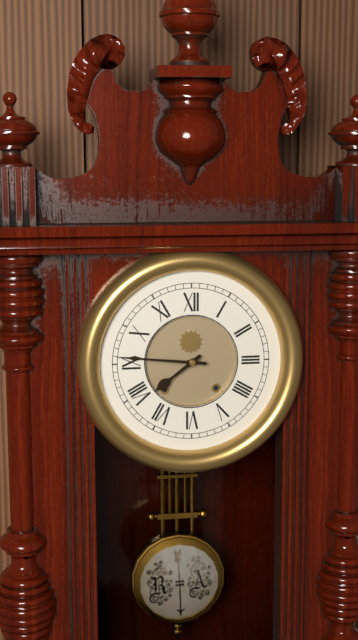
7,46
